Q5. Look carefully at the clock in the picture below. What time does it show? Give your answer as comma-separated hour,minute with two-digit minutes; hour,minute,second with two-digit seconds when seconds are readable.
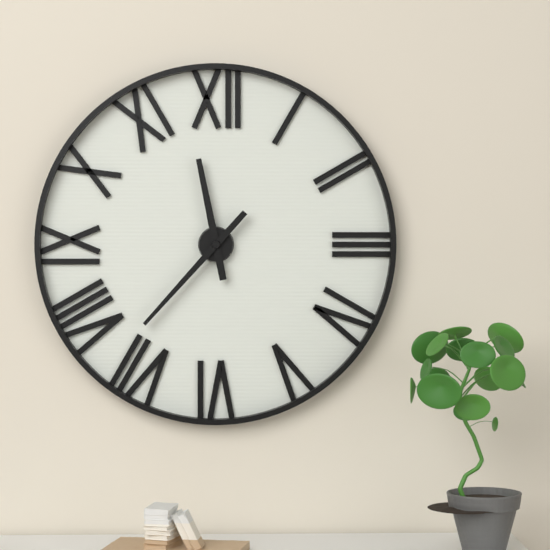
11,37
